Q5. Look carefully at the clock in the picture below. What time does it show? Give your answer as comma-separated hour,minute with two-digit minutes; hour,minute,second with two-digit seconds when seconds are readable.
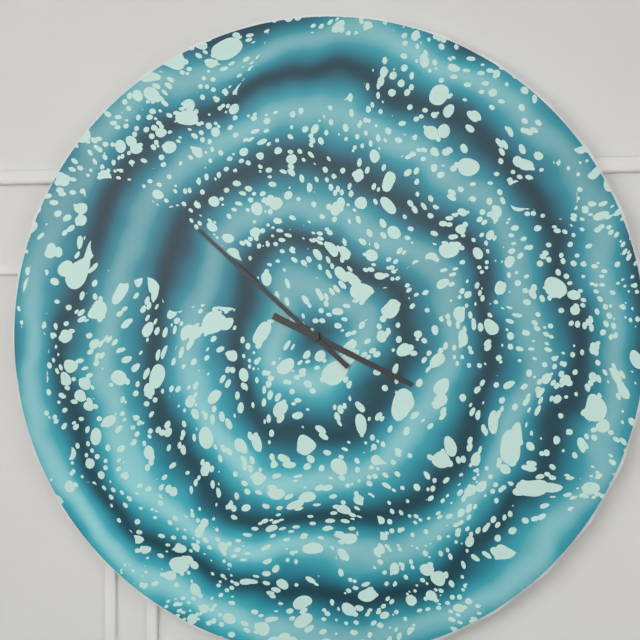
3,52
